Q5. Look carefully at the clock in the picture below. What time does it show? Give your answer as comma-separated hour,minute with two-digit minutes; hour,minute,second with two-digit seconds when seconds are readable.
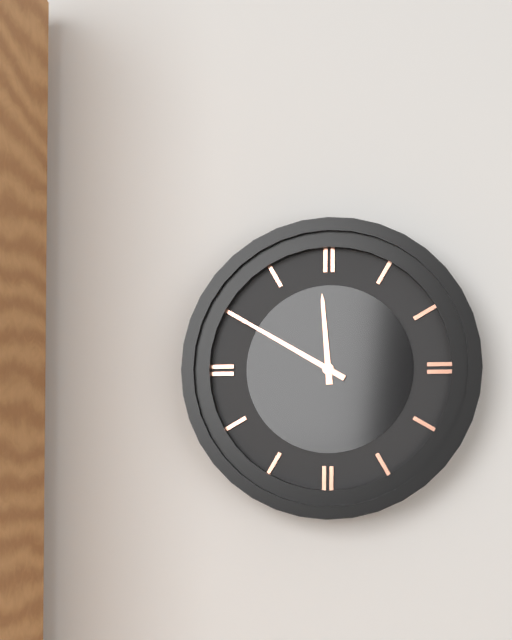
11,50
